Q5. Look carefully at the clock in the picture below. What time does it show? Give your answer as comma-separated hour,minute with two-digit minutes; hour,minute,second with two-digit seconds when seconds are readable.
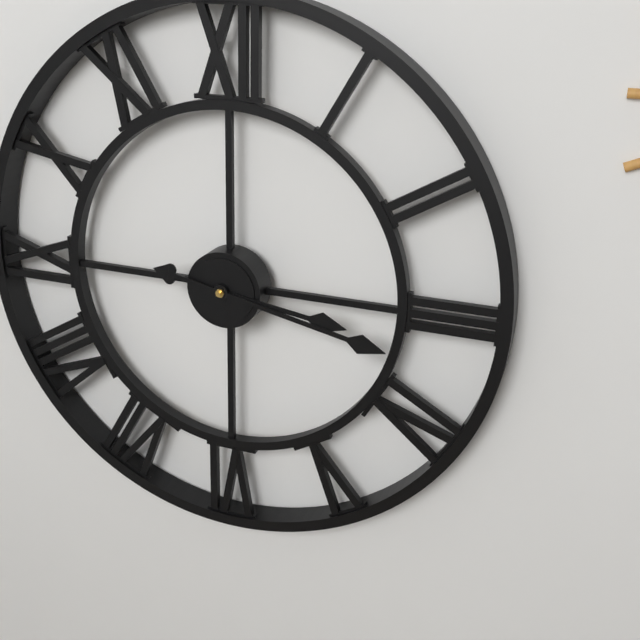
3,17
